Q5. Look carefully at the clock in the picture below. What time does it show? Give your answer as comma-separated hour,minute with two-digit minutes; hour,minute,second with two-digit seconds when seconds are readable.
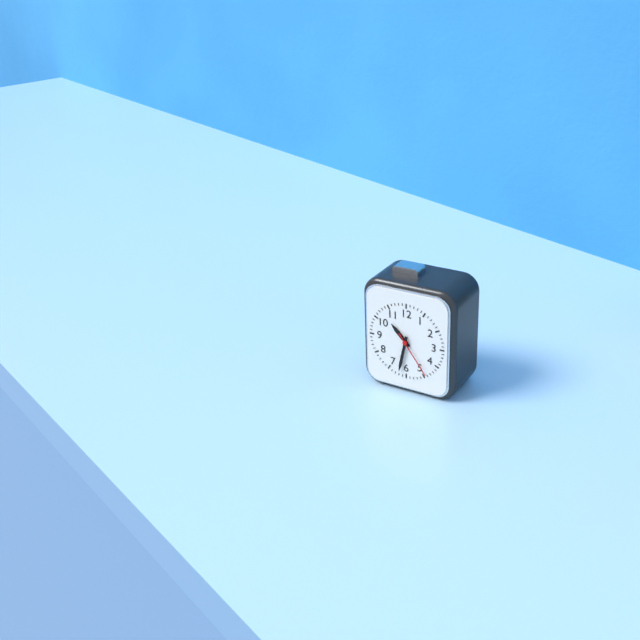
10,32
